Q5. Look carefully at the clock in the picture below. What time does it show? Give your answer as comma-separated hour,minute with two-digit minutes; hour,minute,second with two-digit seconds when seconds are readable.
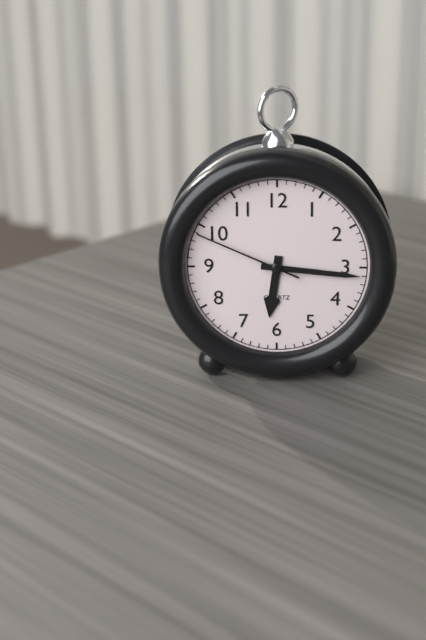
6,16,49
